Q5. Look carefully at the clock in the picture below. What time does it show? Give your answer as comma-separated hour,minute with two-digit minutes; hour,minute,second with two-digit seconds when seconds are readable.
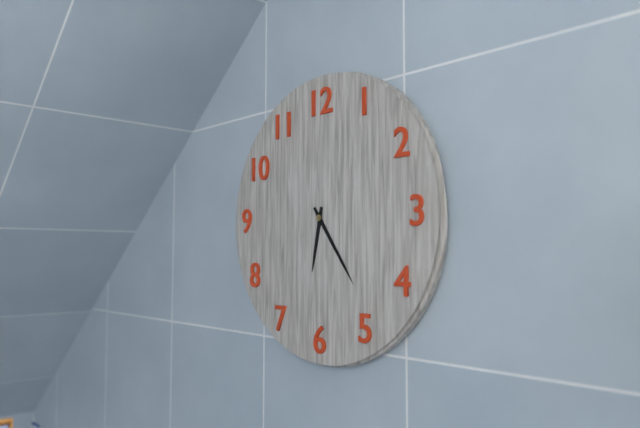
6,24
